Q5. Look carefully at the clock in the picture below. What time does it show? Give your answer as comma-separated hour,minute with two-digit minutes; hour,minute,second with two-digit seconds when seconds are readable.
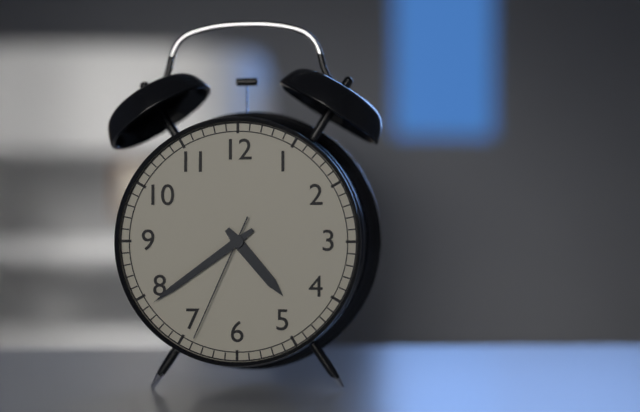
4,39,34
